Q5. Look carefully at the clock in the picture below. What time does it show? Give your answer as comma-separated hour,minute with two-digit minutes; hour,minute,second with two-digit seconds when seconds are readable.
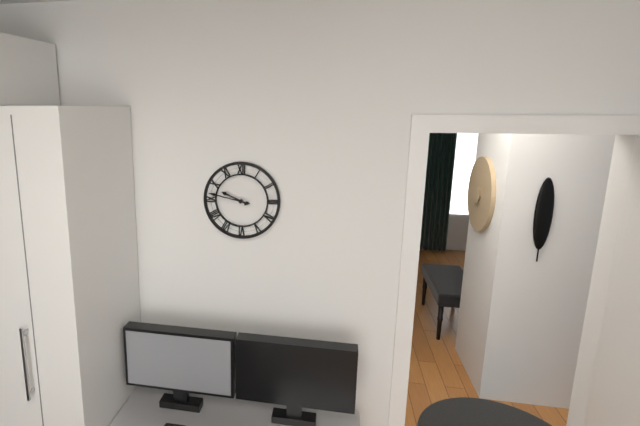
9,47
